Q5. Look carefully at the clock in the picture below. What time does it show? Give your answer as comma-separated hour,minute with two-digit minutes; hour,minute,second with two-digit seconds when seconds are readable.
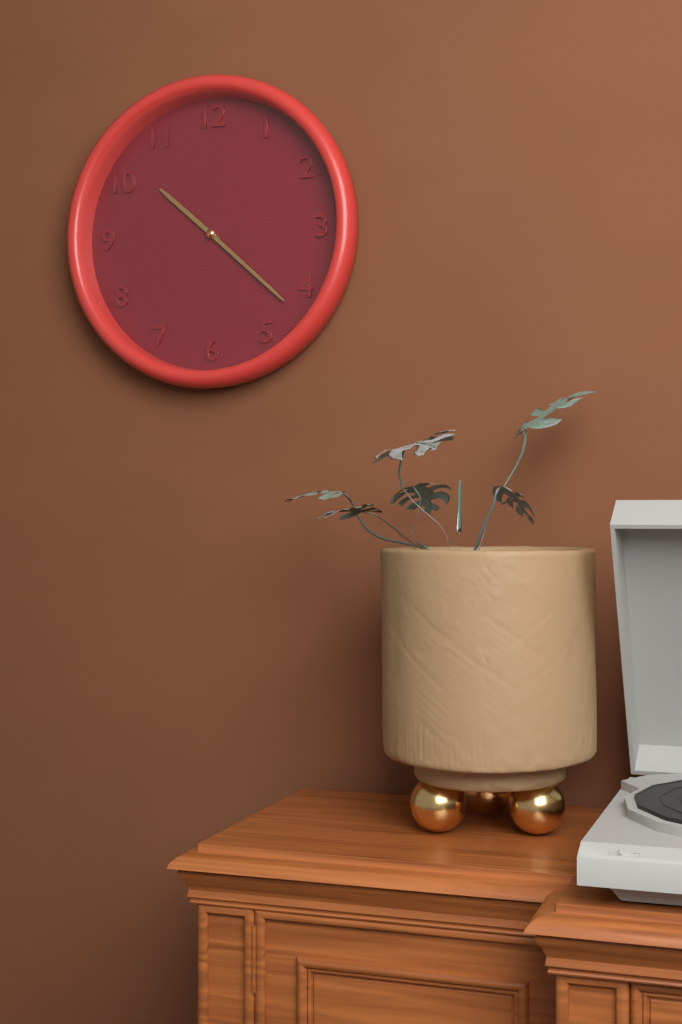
10,22
